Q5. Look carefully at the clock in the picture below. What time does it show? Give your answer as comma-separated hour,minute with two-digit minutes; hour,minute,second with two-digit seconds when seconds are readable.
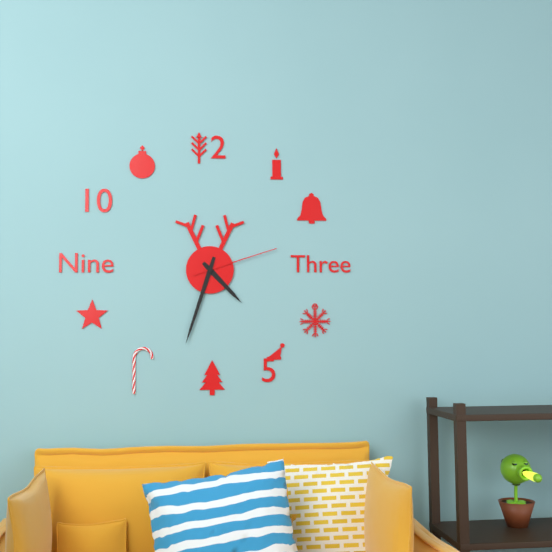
4,33,12
